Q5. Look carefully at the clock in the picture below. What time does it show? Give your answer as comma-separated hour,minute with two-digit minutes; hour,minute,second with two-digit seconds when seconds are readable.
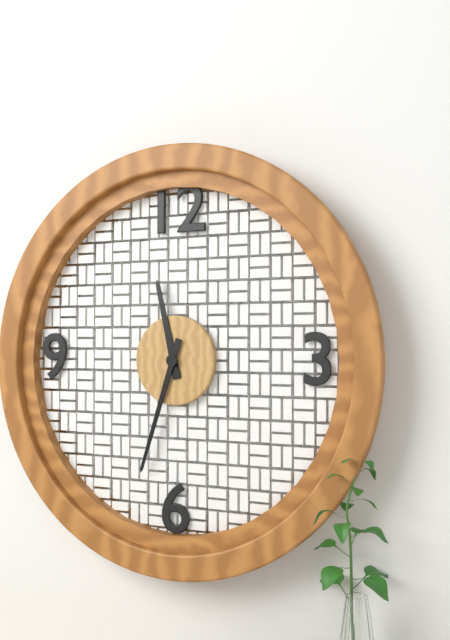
11,33
